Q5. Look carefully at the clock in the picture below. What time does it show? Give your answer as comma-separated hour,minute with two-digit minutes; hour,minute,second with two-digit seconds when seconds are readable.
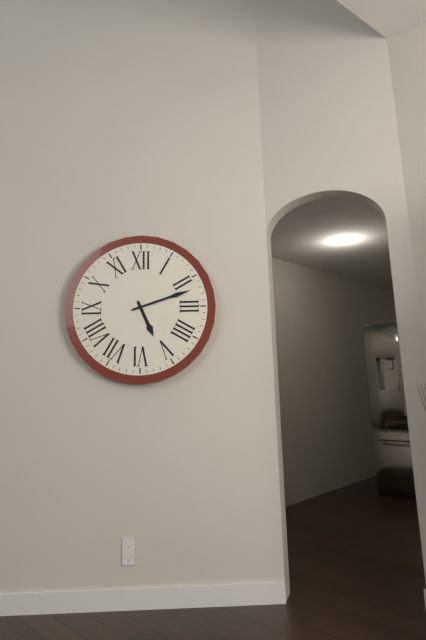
5,12
